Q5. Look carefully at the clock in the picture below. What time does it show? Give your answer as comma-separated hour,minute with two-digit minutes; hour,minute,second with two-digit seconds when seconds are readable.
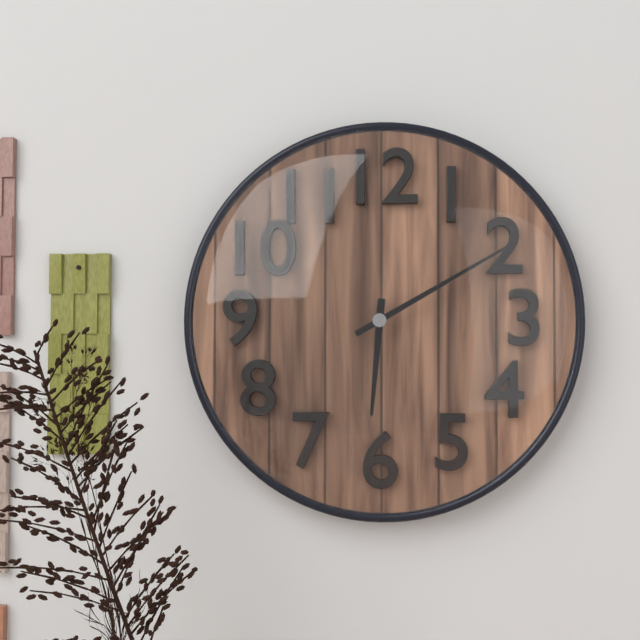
6,10
